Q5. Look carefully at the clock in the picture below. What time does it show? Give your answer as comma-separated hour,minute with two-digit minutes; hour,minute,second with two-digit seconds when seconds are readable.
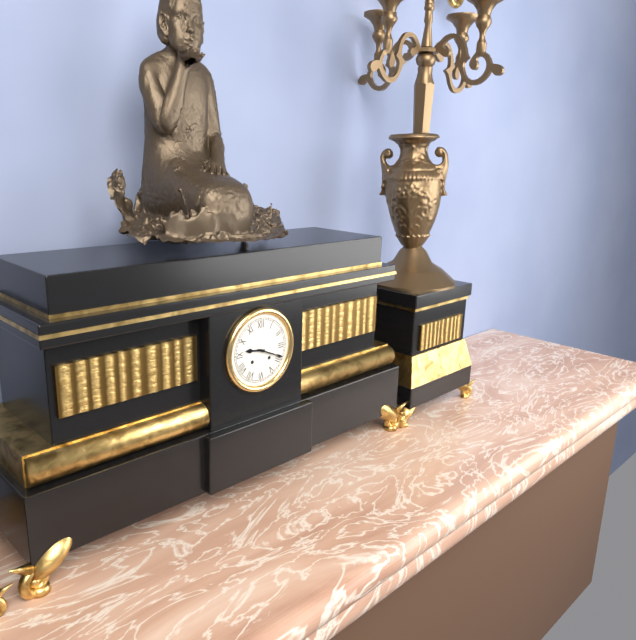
9,19
